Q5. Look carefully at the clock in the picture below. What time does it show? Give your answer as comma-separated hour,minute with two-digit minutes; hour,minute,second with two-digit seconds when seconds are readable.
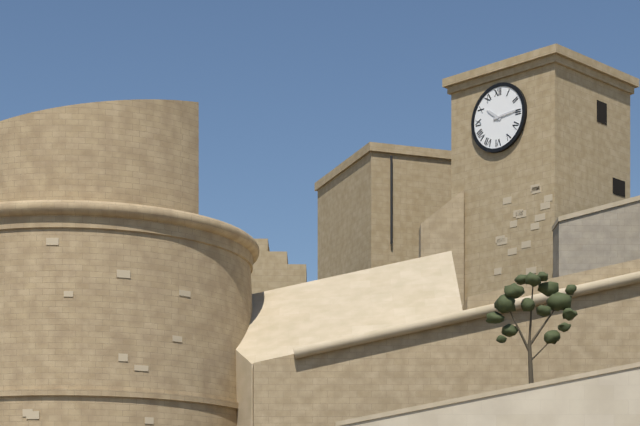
10,14
